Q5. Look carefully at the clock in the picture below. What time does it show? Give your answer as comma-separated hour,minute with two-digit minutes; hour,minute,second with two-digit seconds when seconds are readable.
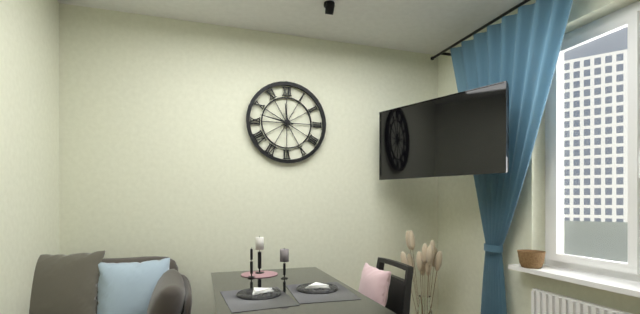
11,47
